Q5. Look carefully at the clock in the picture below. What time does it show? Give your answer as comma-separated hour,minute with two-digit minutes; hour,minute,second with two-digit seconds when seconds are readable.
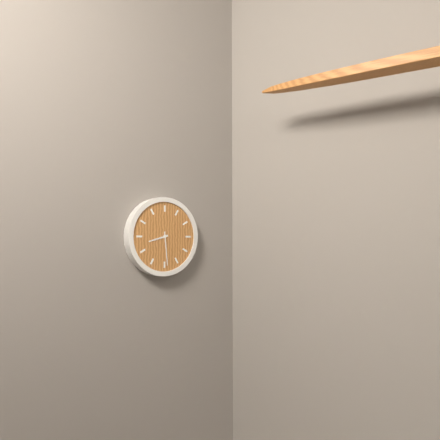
8,29
